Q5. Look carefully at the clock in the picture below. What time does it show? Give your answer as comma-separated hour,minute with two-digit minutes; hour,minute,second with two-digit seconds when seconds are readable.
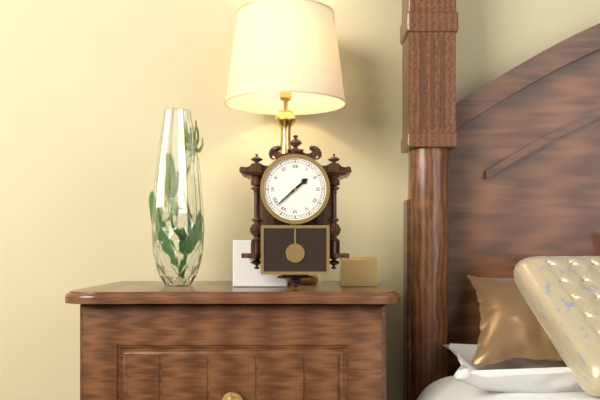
1,38
